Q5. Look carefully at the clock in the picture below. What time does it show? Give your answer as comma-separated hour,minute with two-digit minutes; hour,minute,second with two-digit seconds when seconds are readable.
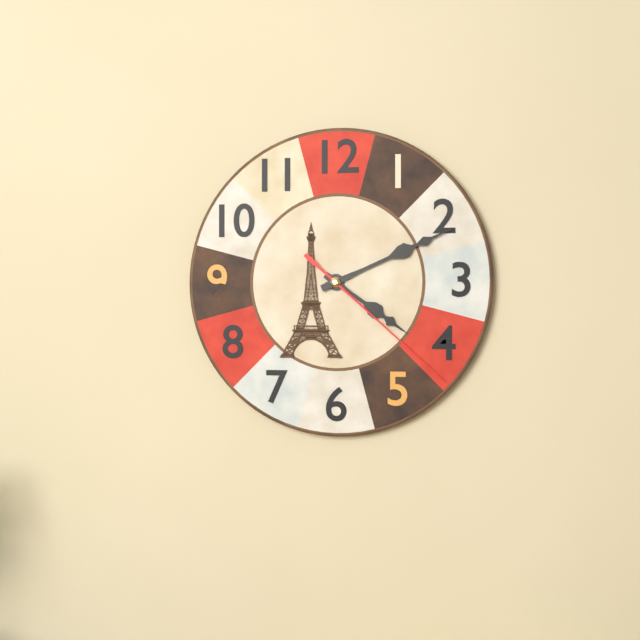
4,11,22
